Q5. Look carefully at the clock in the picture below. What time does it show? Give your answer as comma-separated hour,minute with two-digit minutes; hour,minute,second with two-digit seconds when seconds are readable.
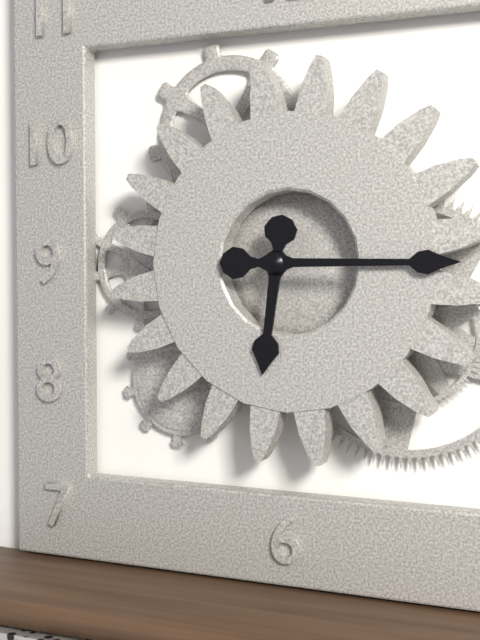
6,15
